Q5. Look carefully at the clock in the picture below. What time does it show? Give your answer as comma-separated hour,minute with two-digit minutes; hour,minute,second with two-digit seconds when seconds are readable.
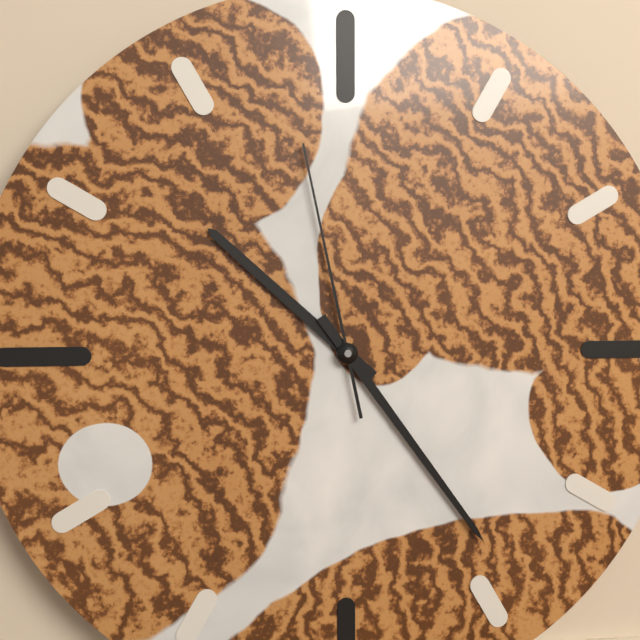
10,24,58
